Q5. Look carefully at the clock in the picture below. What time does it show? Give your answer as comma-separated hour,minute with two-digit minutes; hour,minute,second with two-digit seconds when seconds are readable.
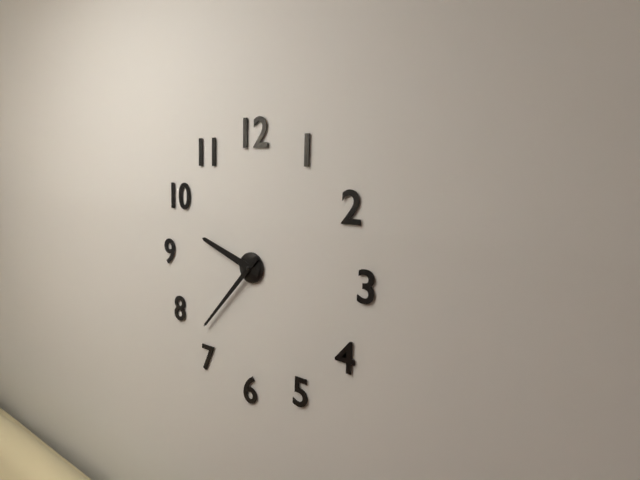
9,37
